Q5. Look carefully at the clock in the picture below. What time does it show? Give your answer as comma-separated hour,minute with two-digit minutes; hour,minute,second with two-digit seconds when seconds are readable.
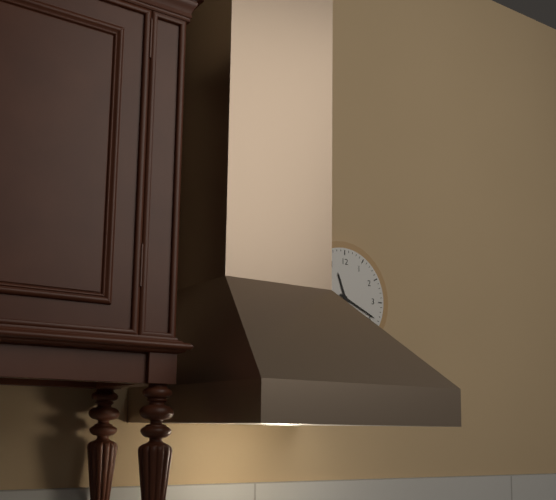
11,19
